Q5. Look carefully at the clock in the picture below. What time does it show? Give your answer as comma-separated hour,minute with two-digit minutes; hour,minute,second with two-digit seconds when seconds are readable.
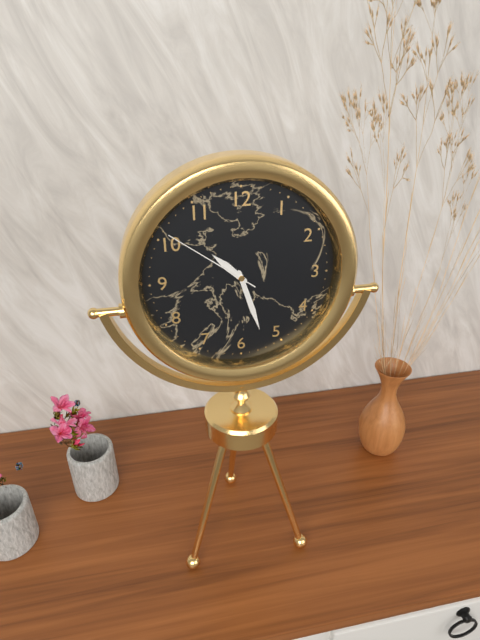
10,27,51
